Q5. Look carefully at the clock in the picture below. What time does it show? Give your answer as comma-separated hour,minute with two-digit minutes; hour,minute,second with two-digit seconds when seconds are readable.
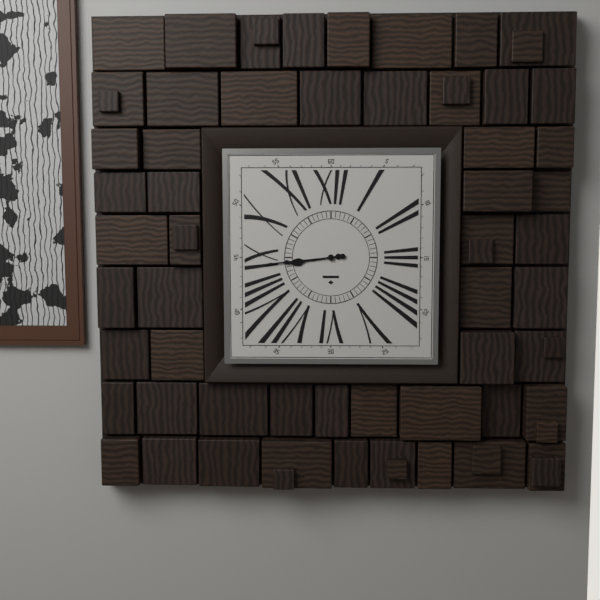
8,44
